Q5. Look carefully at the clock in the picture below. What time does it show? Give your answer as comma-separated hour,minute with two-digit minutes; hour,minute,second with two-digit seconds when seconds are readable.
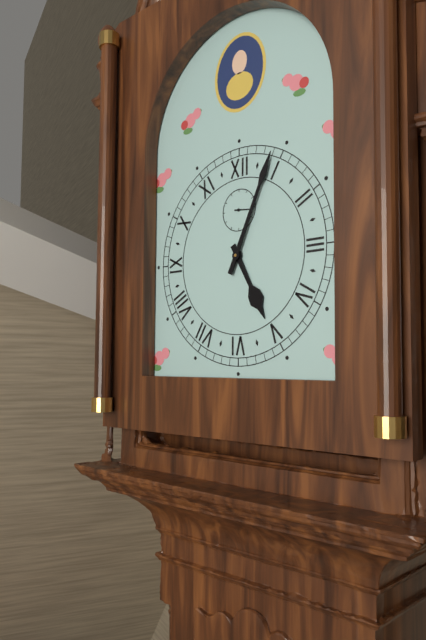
5,04
